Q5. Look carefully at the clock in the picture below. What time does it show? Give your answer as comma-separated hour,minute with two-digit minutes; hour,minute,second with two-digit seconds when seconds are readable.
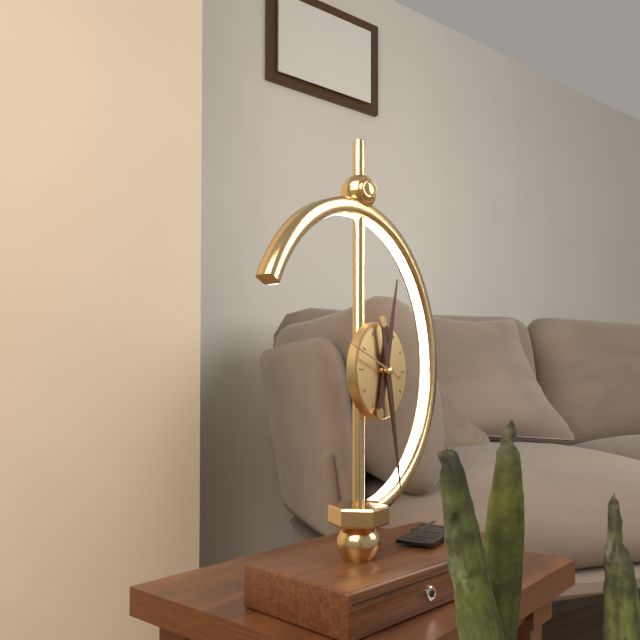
12,28
